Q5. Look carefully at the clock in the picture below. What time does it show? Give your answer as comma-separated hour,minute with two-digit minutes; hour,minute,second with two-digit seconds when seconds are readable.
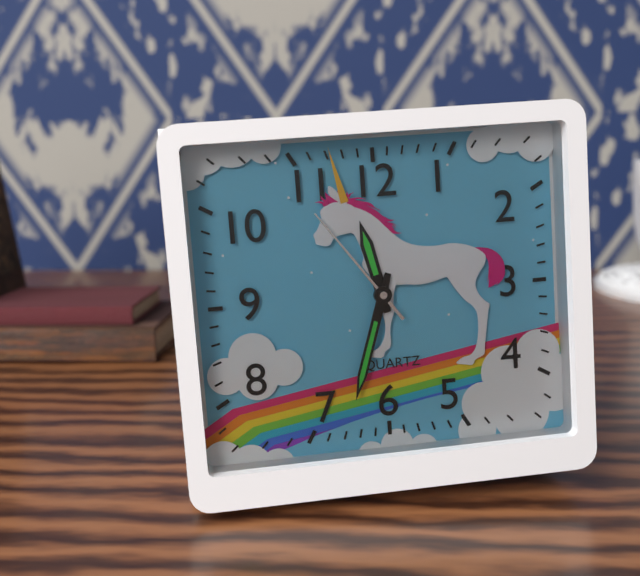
11,33,54
